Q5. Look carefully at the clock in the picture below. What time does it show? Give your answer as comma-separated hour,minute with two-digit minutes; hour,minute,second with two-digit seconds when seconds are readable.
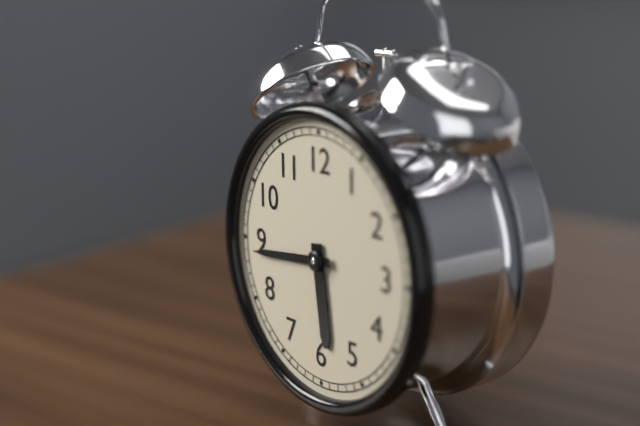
5,44
